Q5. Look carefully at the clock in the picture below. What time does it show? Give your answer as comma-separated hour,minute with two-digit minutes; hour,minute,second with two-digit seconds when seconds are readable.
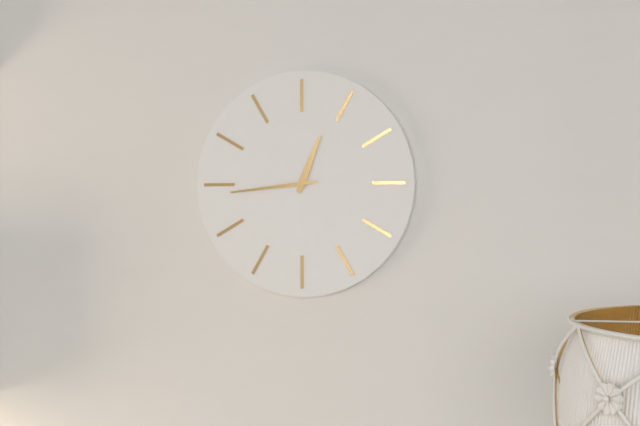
12,44
